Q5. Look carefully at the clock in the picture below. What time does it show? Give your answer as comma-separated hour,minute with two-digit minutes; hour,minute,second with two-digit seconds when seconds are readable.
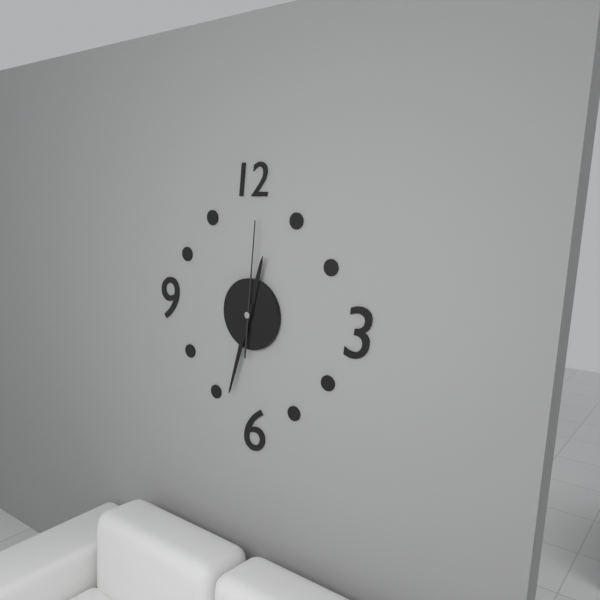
12,33,01
